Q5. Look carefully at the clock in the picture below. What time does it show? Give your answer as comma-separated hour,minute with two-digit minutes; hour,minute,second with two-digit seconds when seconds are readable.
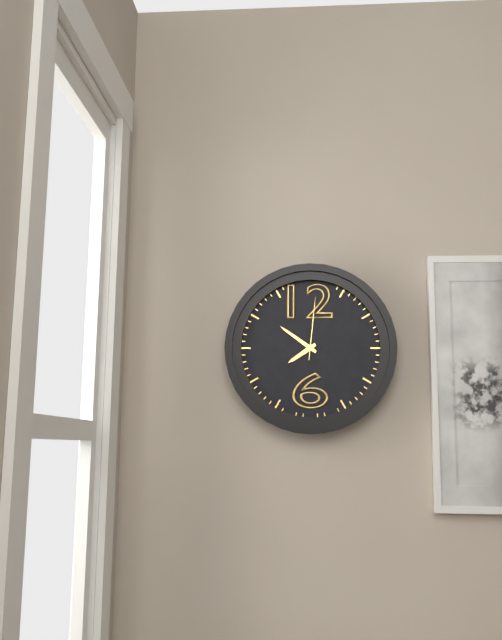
7,51,01
